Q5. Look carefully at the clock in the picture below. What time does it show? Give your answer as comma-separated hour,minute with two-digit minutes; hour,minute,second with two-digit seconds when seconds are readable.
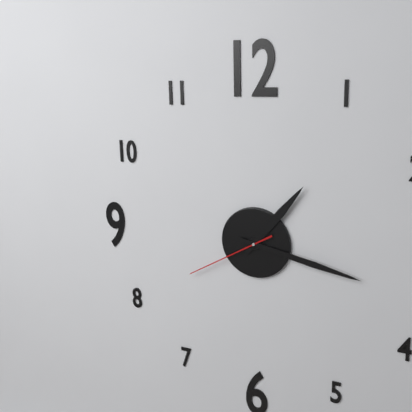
1,17,40
